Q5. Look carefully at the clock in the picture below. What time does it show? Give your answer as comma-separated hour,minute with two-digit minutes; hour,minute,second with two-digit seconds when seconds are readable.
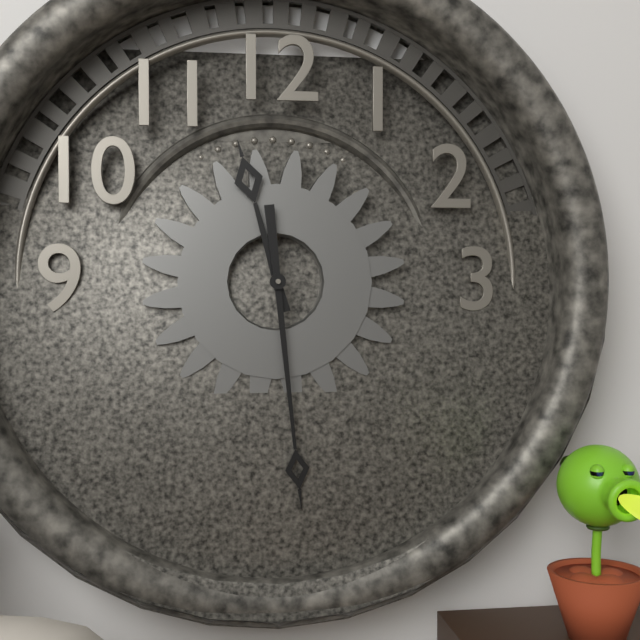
11,29
